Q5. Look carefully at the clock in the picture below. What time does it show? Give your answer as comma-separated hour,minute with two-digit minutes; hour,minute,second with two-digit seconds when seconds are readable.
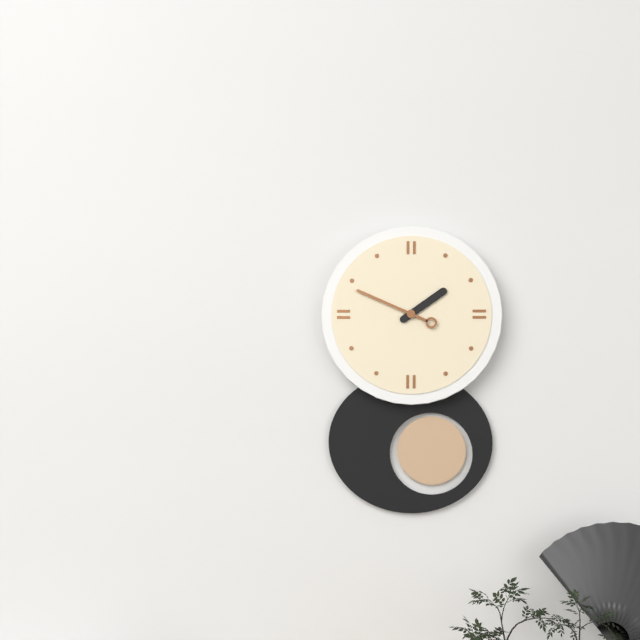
1,49
